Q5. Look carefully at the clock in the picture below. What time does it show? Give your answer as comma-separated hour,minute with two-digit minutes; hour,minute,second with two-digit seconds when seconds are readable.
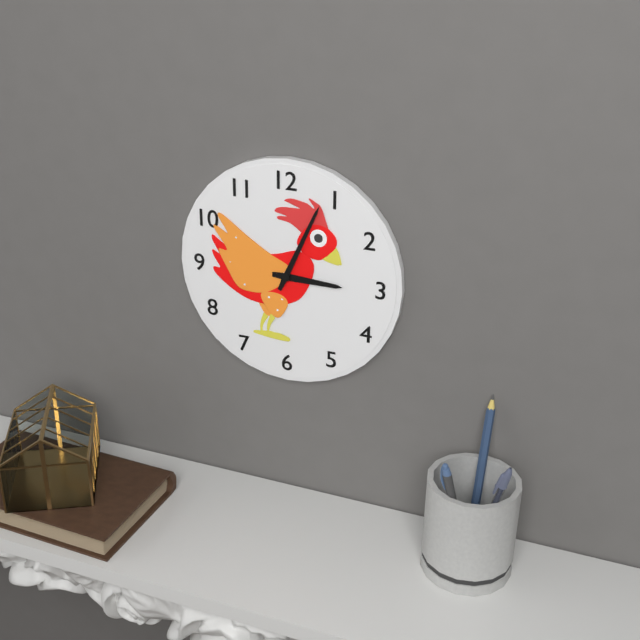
3,04
